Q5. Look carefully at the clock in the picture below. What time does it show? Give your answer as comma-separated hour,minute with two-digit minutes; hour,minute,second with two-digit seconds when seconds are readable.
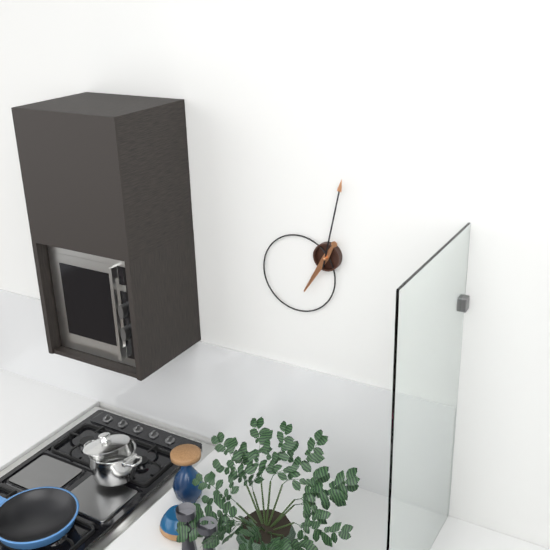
7,02
